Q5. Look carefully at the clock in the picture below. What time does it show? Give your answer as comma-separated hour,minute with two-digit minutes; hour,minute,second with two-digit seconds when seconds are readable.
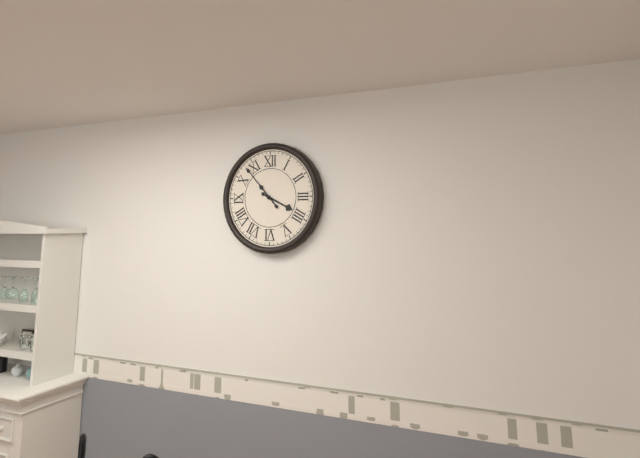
3,53
